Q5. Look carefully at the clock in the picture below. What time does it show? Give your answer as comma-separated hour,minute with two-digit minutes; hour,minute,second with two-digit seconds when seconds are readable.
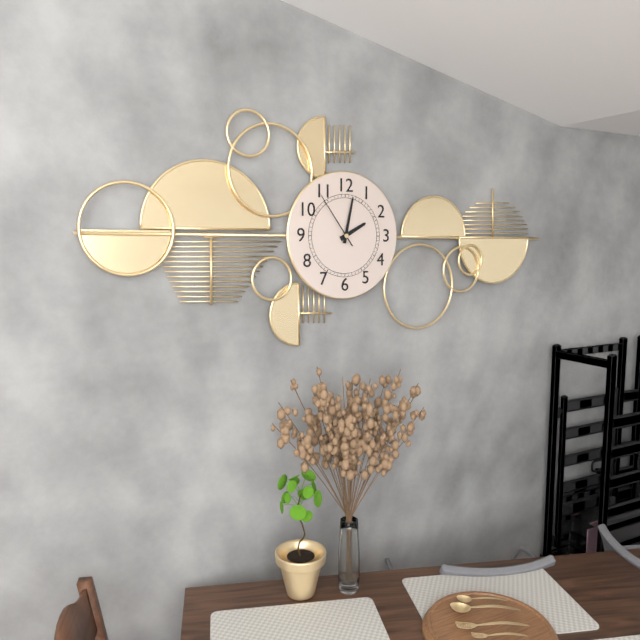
2,02,54
